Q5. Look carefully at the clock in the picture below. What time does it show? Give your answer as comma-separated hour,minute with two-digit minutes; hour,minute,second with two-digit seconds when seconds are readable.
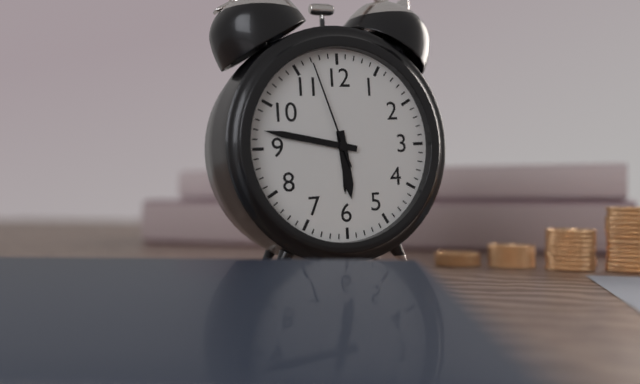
5,47,57
